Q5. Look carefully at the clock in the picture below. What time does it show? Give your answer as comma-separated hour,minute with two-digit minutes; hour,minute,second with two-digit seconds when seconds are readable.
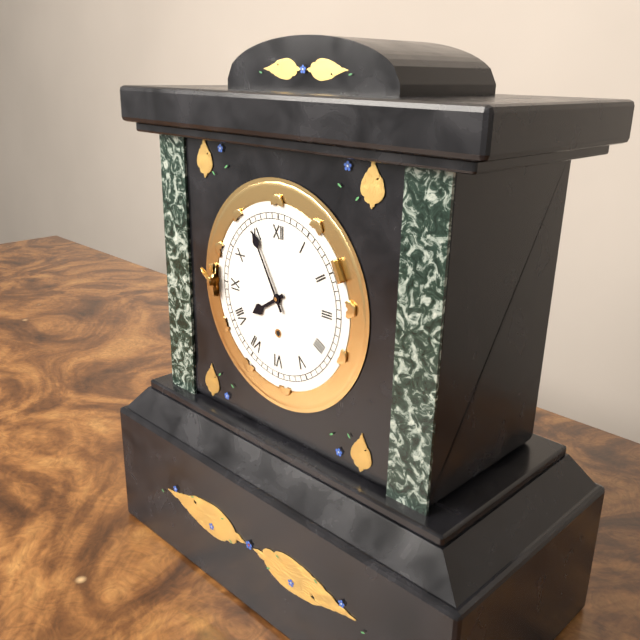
7,55
